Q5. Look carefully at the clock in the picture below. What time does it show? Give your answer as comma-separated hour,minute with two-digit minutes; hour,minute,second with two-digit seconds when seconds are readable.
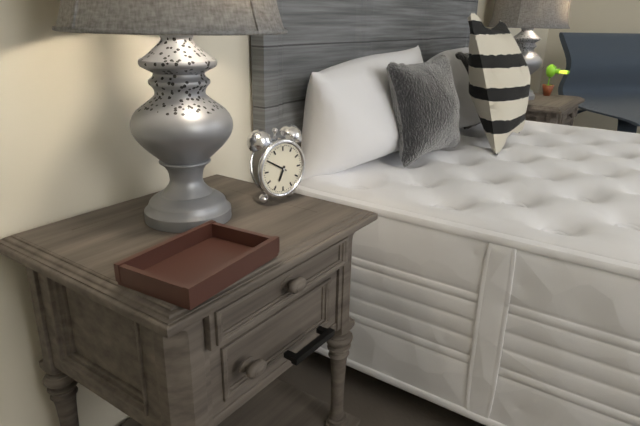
6,50
